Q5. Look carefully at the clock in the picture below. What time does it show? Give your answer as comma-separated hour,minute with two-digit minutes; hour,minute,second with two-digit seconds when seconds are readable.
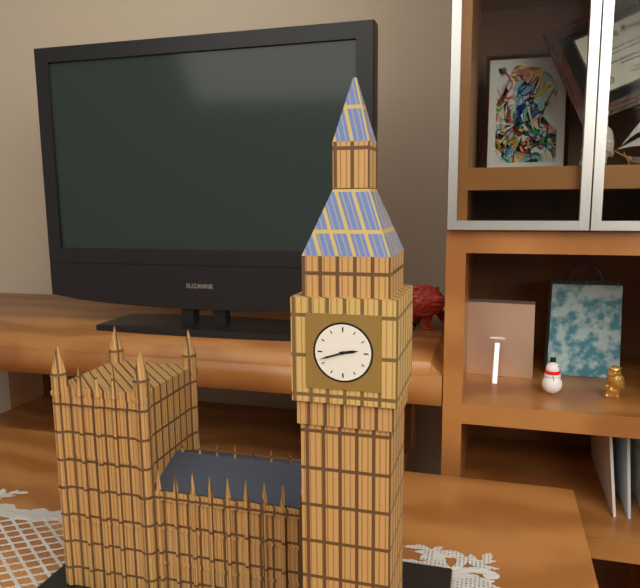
2,42
